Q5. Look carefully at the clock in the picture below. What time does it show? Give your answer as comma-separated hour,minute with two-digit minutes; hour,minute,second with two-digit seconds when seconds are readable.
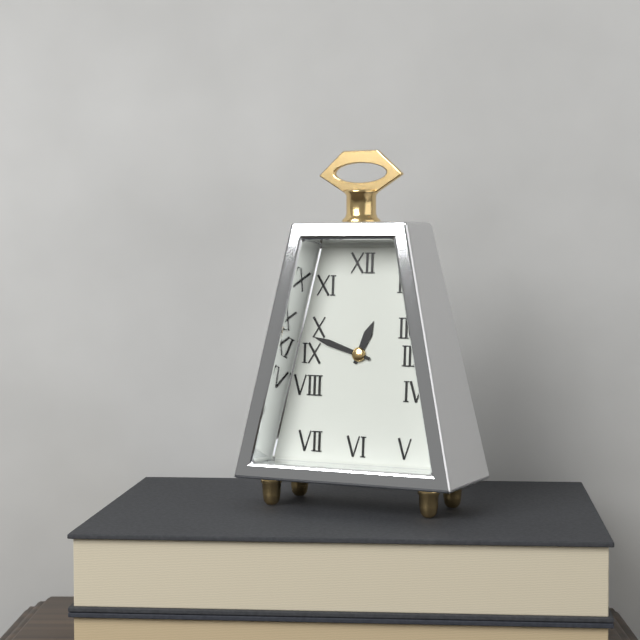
12,48
